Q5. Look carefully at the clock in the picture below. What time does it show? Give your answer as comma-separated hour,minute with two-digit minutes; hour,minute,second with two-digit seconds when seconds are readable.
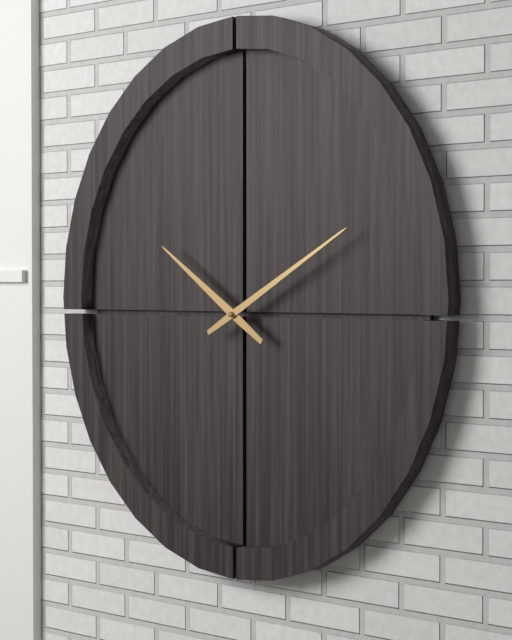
10,10
